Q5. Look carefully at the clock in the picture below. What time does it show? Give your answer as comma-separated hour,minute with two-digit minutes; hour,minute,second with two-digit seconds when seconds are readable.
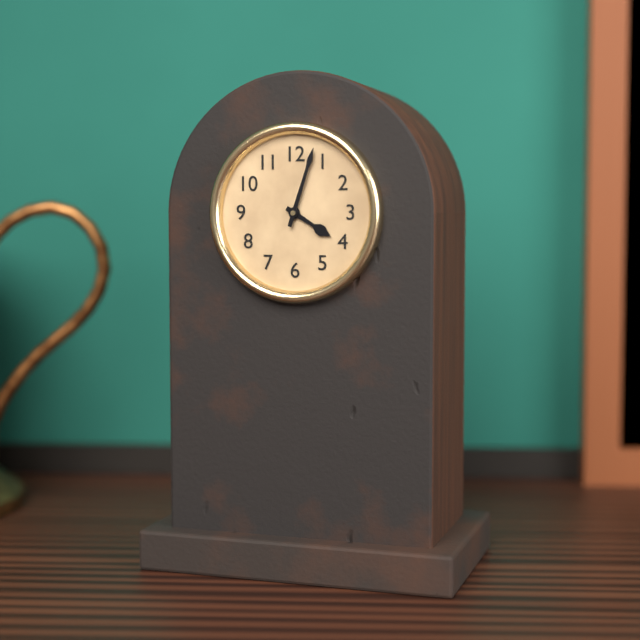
4,03
